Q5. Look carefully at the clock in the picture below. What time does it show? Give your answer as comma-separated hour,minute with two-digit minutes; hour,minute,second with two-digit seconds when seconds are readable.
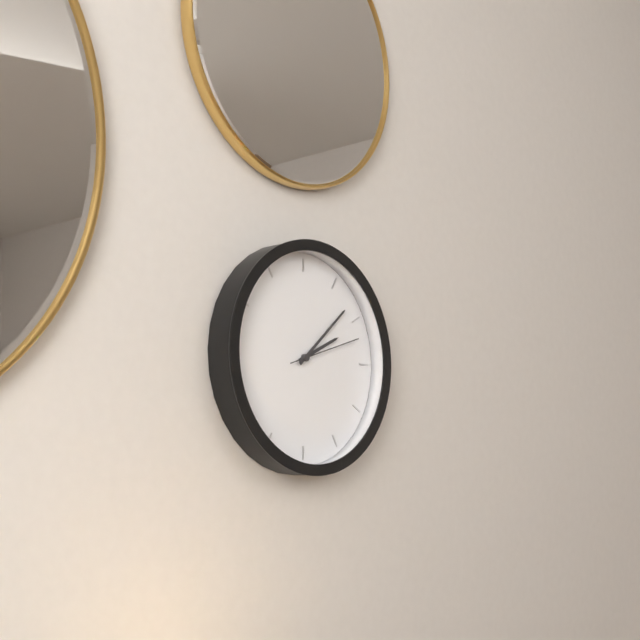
2,08,12
